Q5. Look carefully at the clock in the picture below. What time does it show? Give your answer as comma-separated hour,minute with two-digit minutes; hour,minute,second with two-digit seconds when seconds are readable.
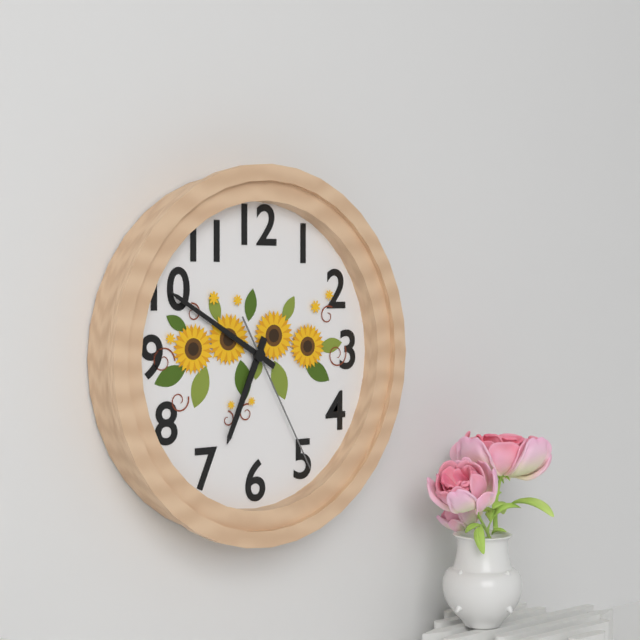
6,50,25
